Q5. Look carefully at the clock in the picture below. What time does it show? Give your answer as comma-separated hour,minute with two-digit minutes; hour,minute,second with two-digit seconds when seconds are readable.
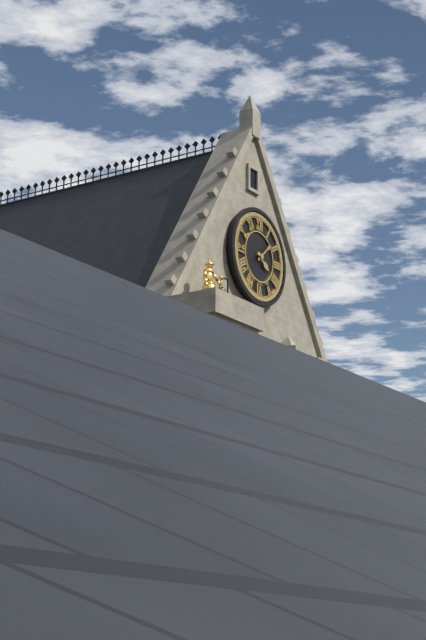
4,08
